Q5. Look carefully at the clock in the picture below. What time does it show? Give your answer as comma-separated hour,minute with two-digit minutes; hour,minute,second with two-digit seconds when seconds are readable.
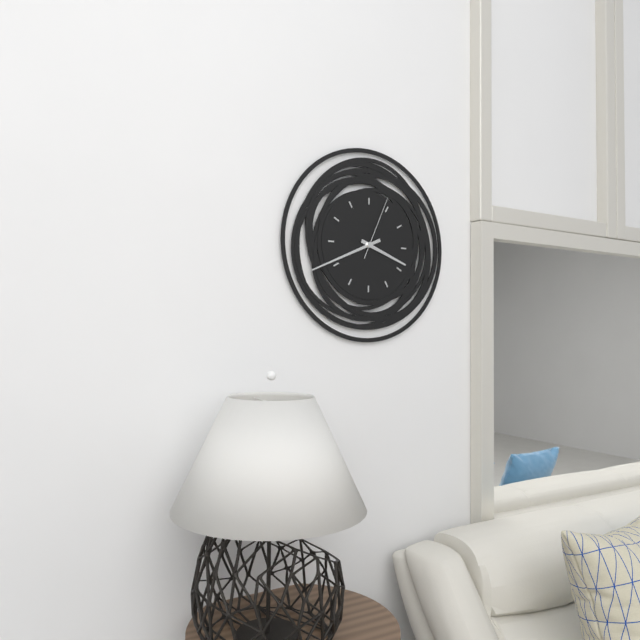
3,41,04
